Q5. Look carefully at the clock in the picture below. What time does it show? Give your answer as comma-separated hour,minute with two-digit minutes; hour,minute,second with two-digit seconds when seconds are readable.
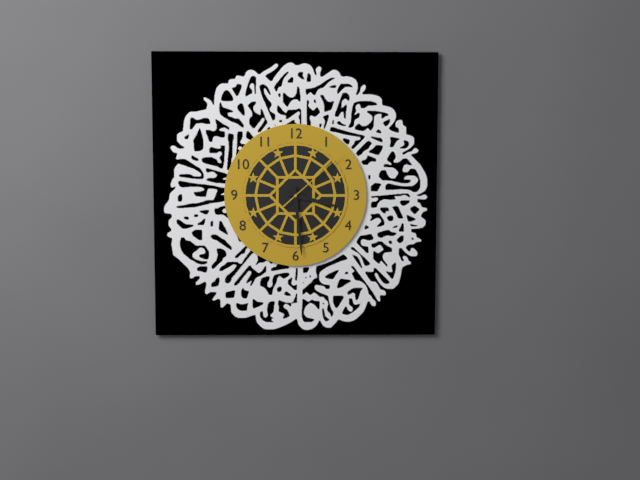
3,29,08
